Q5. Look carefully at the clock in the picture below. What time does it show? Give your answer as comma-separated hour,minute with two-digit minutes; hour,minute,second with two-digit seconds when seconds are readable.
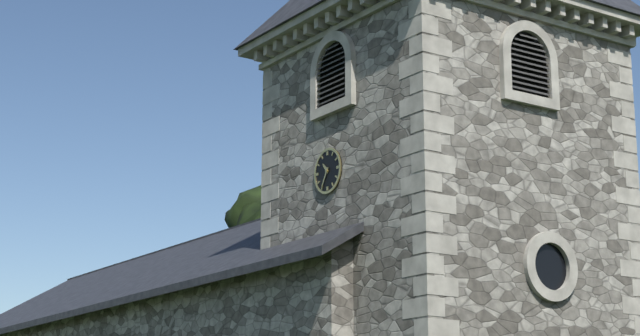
10,35
